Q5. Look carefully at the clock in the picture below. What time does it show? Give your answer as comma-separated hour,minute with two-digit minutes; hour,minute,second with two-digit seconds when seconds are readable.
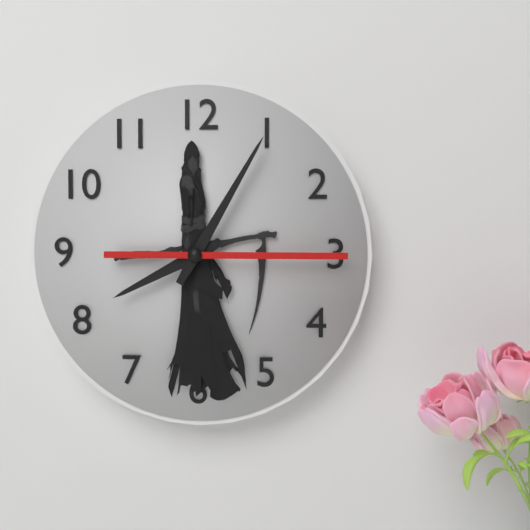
8,05,15
